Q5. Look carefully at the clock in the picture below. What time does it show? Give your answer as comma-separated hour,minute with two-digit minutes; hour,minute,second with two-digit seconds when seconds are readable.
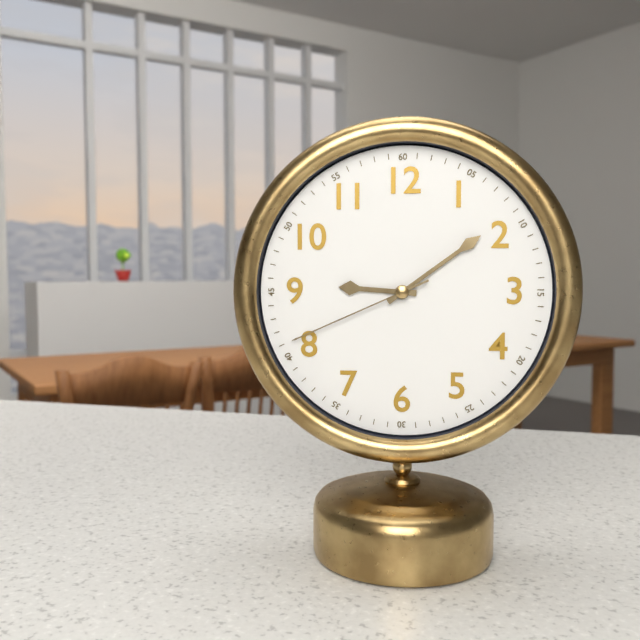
9,09,41
